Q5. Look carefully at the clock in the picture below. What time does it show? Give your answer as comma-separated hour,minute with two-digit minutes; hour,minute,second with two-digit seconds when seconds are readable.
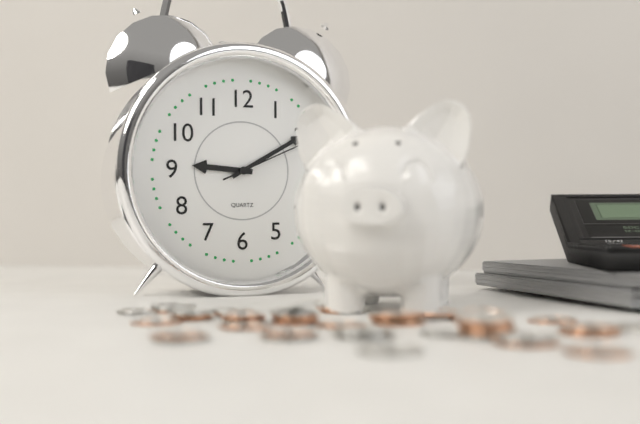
9,10
